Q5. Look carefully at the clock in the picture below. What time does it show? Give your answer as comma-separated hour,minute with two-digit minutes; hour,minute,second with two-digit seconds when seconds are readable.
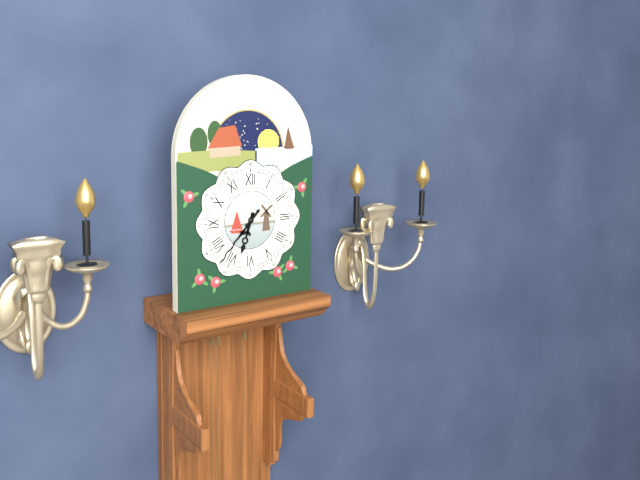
6,37
